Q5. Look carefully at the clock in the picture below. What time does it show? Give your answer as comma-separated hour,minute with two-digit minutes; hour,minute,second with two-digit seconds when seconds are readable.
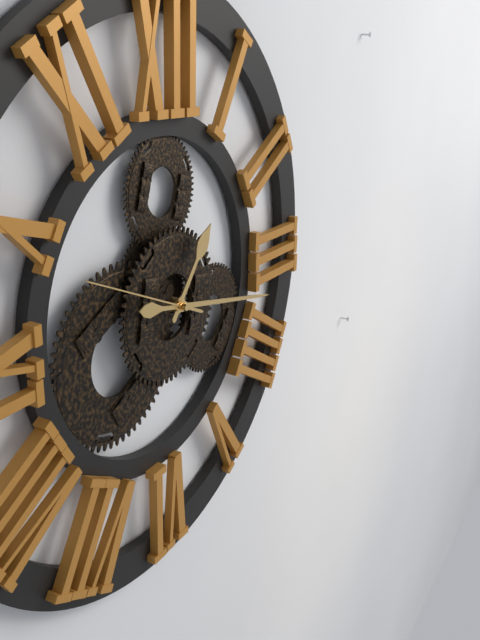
1,17,49
